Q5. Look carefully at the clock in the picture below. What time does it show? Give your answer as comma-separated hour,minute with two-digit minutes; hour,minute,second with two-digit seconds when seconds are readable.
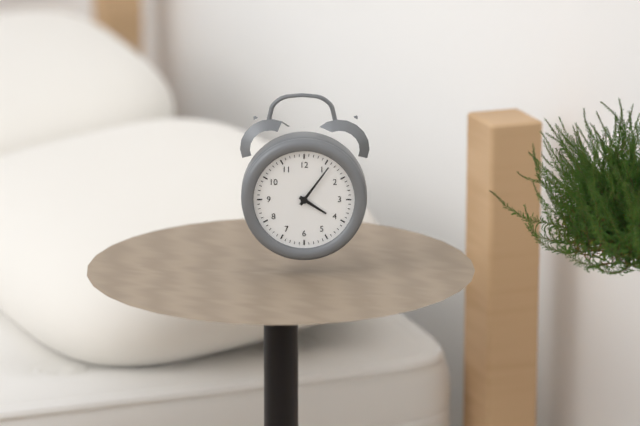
4,06
